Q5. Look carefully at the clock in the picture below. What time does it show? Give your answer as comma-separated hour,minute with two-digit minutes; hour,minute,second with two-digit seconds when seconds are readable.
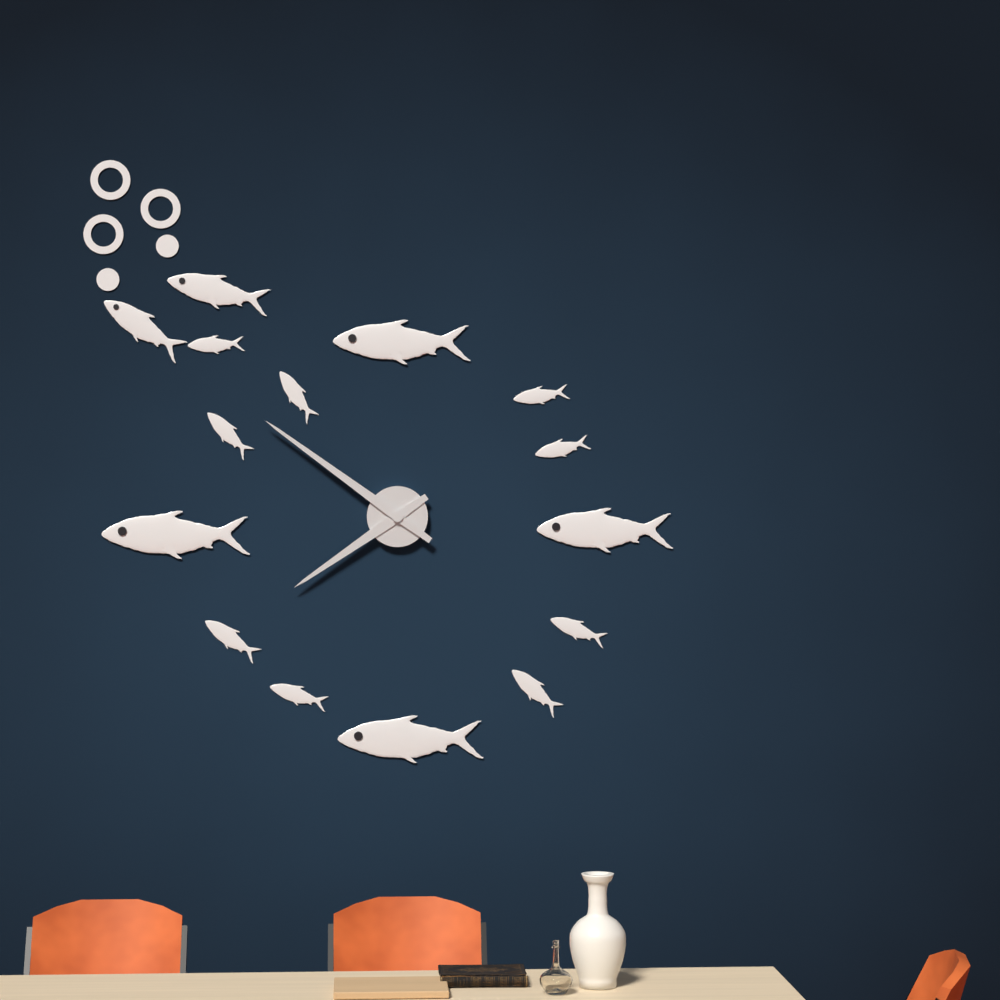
7,51
